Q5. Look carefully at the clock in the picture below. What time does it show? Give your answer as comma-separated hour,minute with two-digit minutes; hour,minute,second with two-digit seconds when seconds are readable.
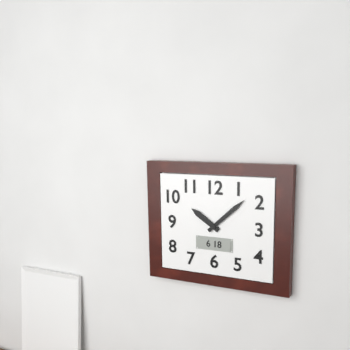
10,08
